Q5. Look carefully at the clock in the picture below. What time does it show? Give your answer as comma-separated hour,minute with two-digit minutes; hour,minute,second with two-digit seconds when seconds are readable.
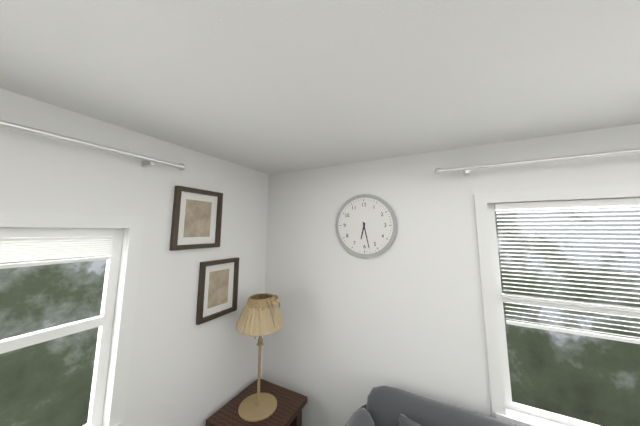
6,28
